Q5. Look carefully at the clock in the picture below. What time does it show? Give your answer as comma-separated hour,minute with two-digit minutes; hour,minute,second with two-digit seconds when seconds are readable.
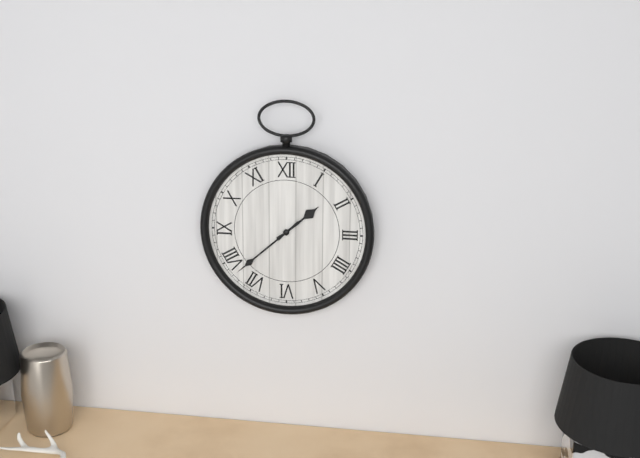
1,38
